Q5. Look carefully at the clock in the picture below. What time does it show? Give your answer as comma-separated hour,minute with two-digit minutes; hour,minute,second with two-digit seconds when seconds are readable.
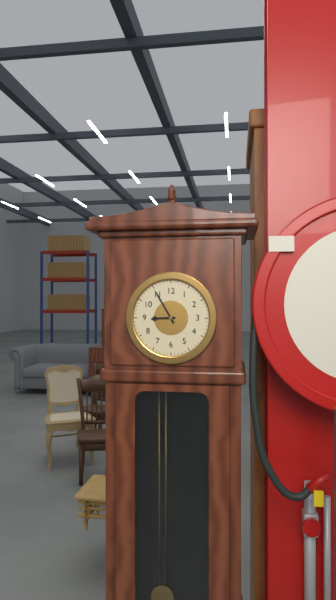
8,55
